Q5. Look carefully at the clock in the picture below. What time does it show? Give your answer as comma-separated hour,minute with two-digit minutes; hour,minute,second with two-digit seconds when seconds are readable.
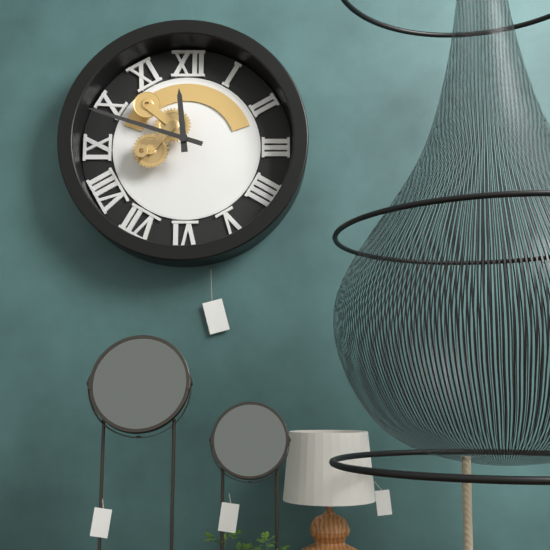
11,48
